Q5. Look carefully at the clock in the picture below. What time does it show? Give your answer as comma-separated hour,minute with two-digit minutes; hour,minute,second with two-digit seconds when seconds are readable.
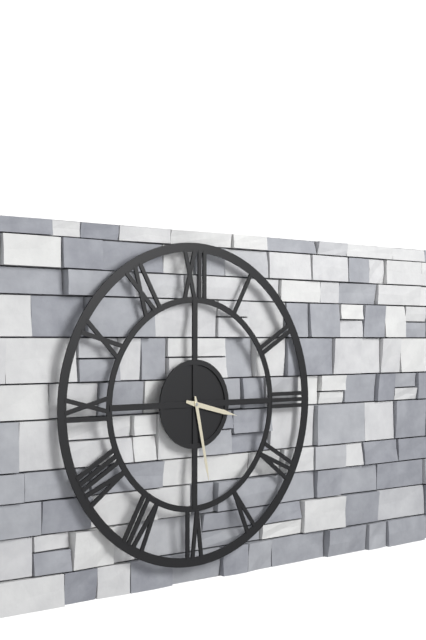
3,28
